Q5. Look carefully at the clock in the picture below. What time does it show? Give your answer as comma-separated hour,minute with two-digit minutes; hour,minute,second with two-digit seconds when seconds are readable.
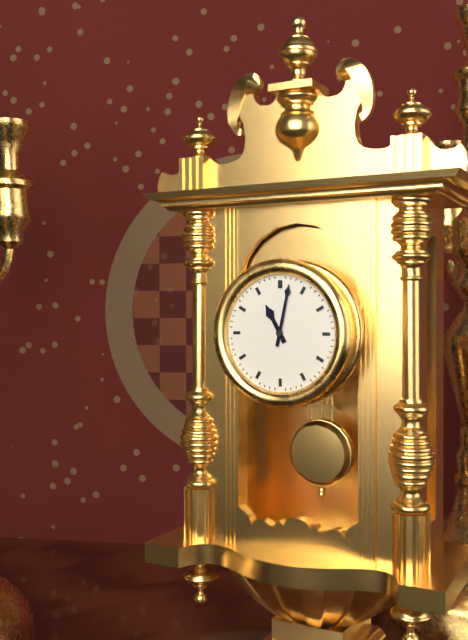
11,02
